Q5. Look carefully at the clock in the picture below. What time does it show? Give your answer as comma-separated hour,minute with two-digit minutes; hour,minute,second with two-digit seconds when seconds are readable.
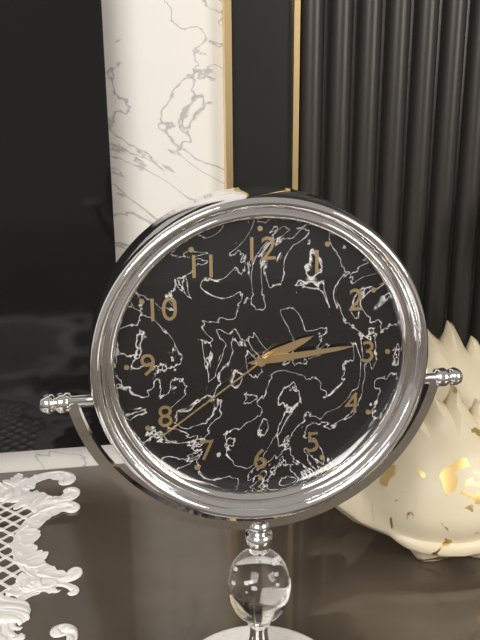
2,14,39
